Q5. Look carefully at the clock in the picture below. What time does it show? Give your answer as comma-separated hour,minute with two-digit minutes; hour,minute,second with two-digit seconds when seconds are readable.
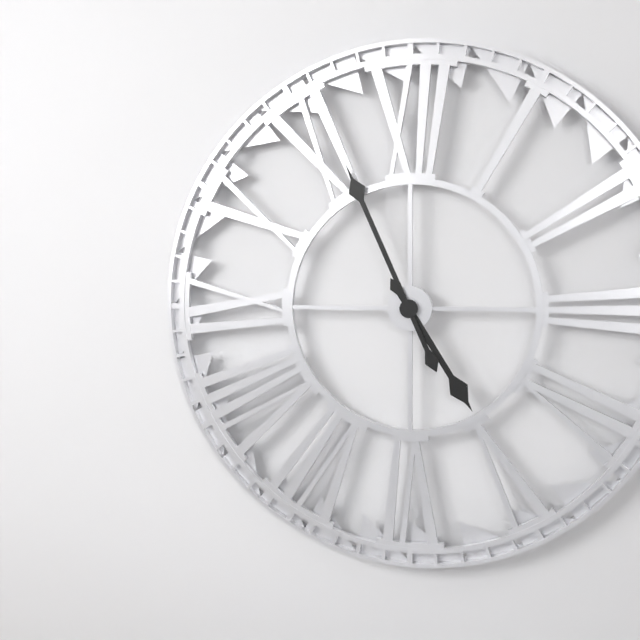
4,56
